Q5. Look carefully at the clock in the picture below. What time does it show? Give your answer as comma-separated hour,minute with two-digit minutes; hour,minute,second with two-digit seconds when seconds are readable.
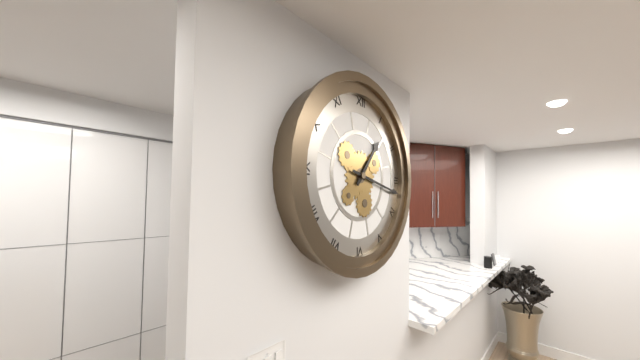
1,17
